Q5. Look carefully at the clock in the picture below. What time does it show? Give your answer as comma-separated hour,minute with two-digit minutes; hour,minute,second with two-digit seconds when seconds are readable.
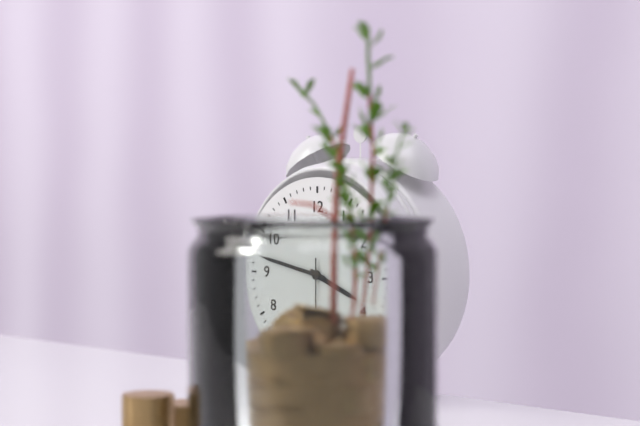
3,47
